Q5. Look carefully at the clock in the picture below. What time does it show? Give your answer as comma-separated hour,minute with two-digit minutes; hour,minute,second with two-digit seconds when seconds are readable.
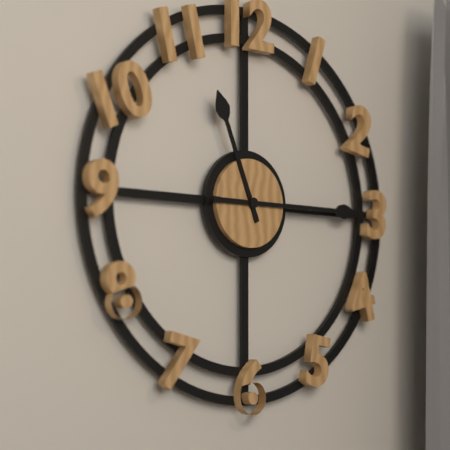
11,15
